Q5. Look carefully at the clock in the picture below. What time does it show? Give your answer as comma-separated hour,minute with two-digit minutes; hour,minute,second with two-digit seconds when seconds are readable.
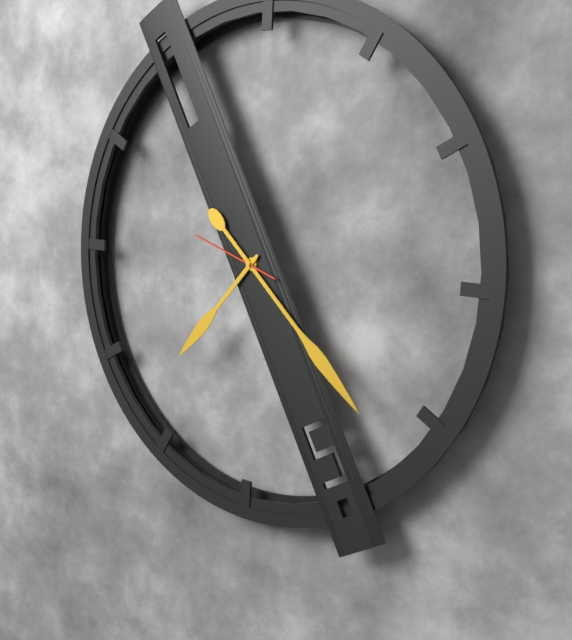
7,22,48
